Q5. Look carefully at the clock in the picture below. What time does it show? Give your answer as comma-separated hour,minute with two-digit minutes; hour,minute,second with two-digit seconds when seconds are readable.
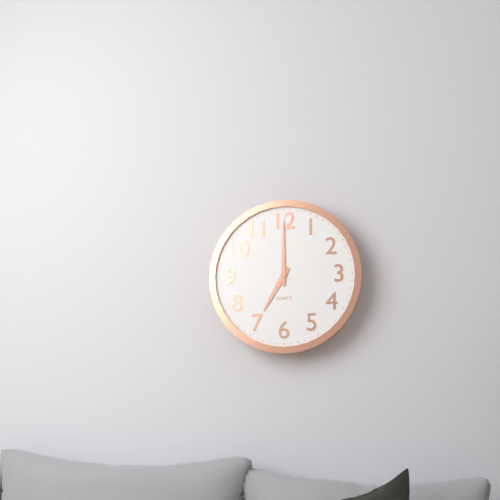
7,00
